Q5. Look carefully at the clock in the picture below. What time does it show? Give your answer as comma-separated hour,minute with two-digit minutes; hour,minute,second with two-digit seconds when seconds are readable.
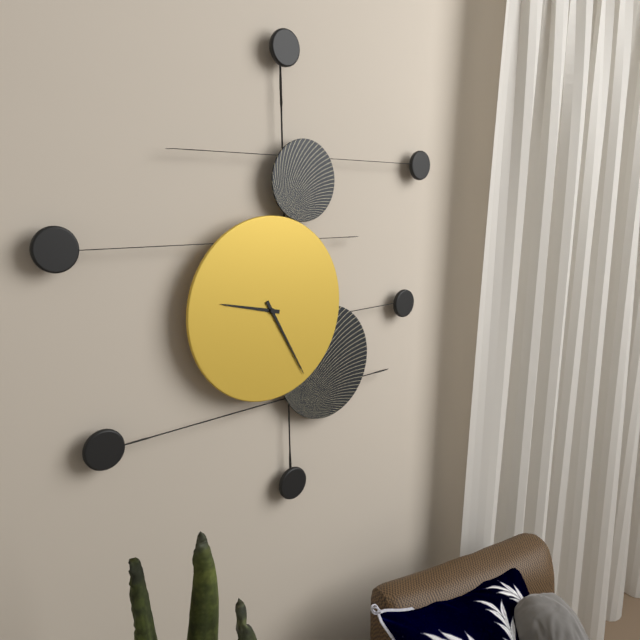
9,25
